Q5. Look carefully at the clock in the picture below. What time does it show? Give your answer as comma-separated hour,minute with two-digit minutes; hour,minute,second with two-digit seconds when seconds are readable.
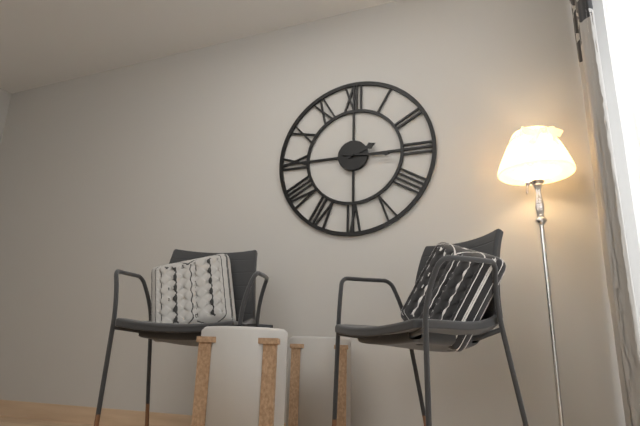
2,16
